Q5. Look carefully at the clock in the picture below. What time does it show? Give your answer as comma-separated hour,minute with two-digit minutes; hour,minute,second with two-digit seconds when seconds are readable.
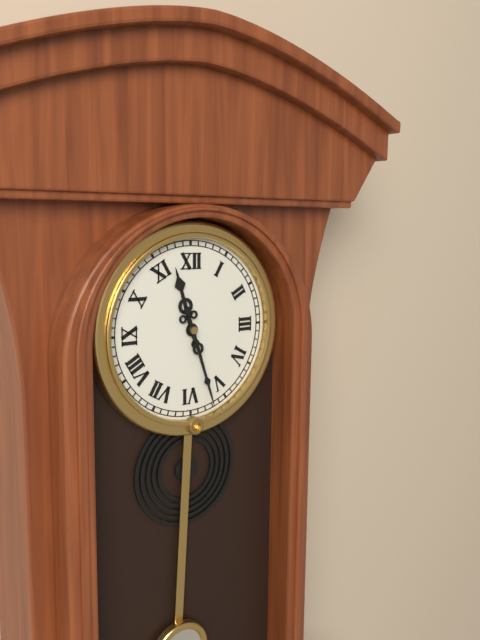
11,27
